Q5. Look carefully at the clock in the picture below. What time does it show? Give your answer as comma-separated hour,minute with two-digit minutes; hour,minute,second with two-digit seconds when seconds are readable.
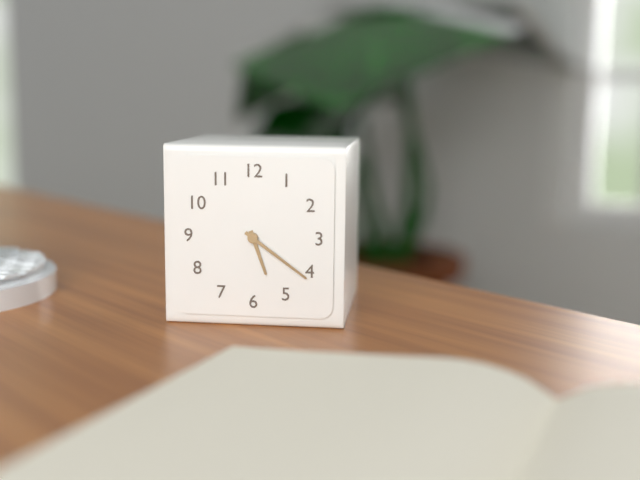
5,21
